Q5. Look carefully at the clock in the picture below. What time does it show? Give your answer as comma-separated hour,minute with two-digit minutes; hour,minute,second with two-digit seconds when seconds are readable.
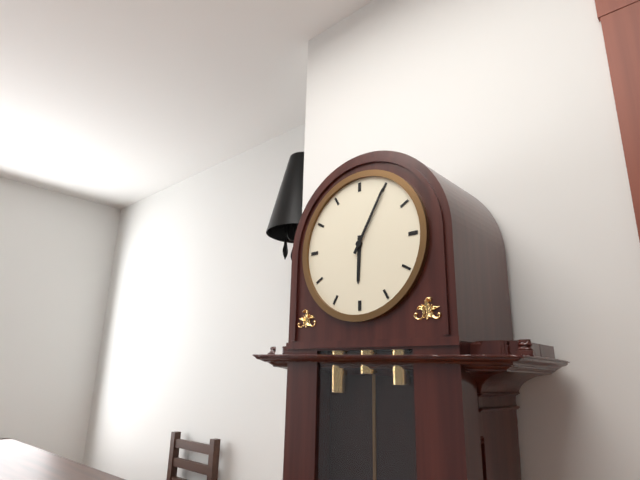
6,05
